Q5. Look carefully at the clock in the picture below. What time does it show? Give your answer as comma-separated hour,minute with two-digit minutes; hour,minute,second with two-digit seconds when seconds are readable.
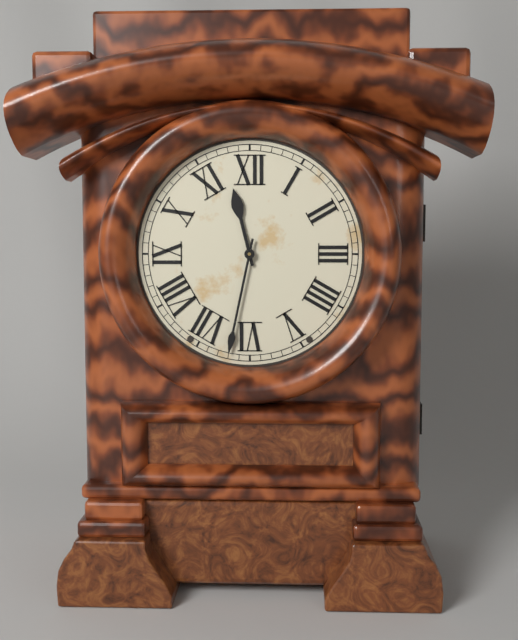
11,32
